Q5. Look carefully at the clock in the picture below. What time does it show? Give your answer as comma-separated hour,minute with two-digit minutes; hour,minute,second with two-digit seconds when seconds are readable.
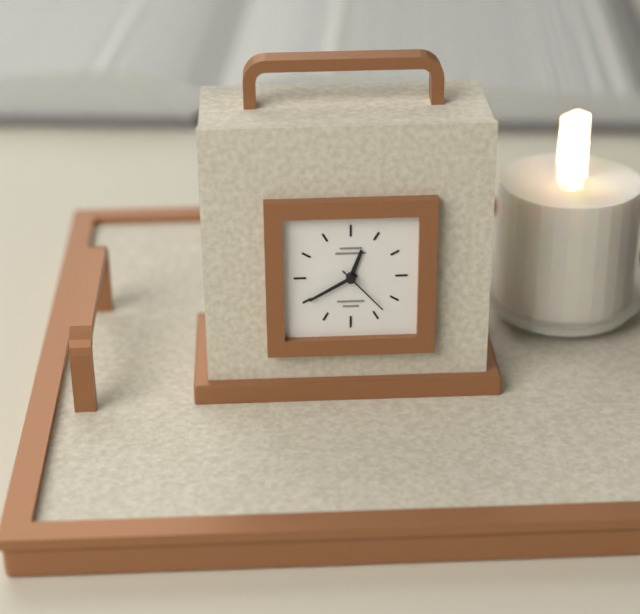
12,40,23
